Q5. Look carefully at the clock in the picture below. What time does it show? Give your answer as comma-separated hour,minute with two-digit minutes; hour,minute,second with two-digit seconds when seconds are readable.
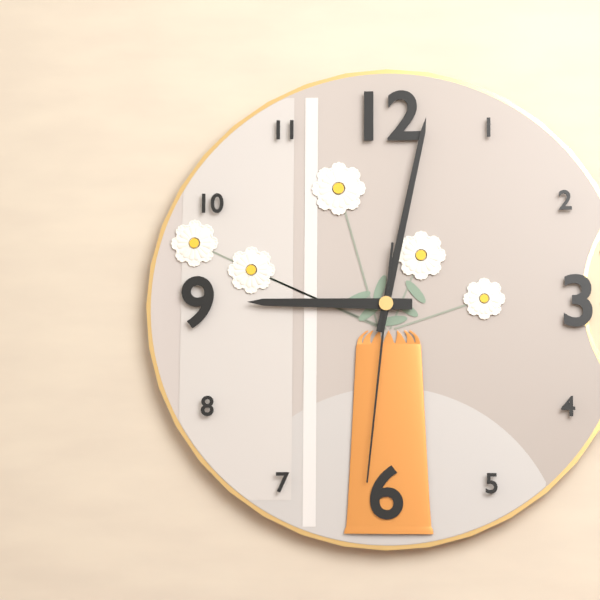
9,02,31
